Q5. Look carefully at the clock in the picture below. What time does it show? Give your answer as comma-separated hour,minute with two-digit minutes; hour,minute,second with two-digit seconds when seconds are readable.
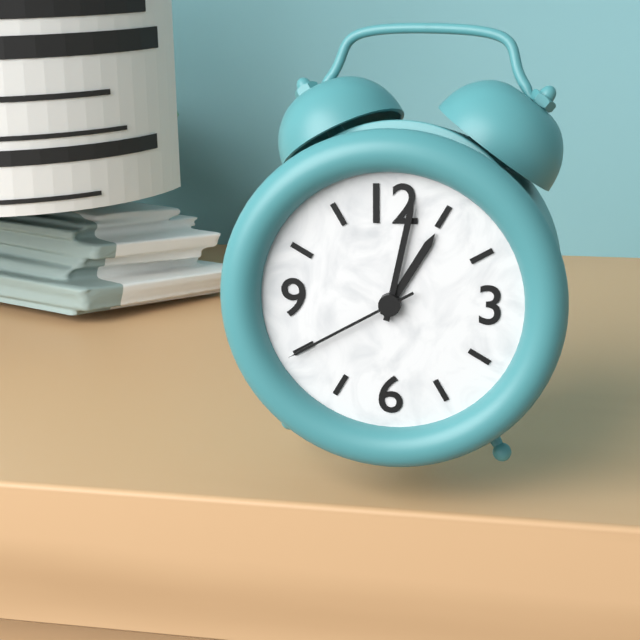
1,02,40
